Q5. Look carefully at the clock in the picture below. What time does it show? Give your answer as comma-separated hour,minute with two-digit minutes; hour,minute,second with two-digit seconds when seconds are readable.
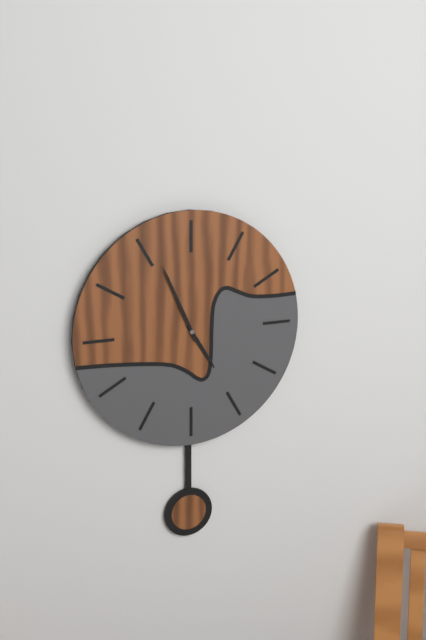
4,56
